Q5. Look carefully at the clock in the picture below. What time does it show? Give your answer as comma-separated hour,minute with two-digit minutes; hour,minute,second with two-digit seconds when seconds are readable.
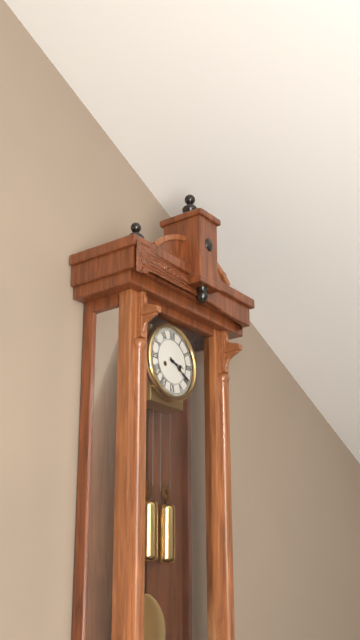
3,20
